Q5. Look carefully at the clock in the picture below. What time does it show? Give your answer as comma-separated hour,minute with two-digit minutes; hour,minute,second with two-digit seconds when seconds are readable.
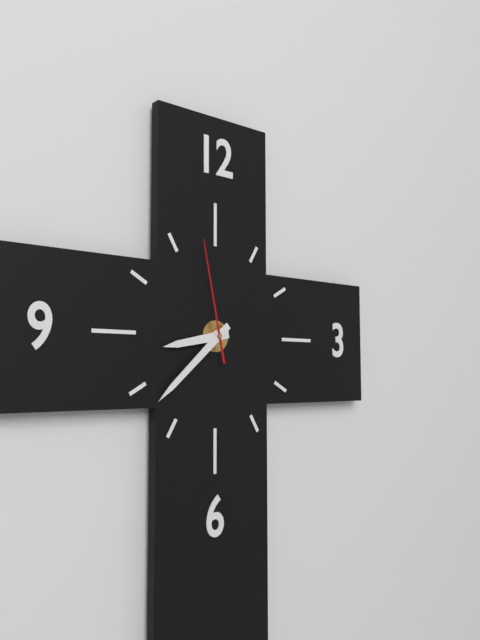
8,38,58
